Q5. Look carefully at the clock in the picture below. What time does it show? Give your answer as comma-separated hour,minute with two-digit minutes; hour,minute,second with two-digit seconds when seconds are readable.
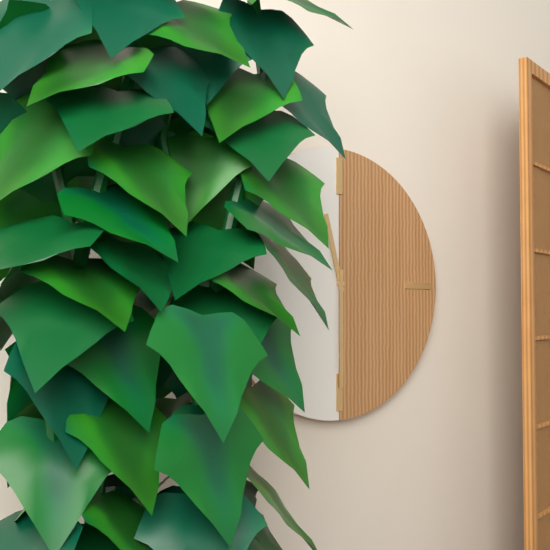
11,30
